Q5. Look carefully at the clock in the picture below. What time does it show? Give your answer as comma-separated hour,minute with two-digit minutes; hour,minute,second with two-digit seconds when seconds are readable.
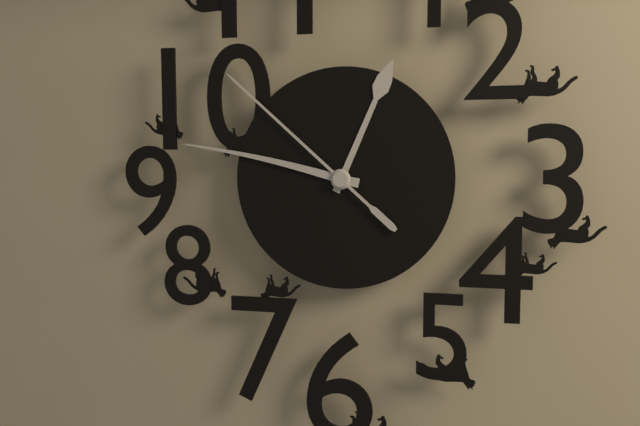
12,47,52
